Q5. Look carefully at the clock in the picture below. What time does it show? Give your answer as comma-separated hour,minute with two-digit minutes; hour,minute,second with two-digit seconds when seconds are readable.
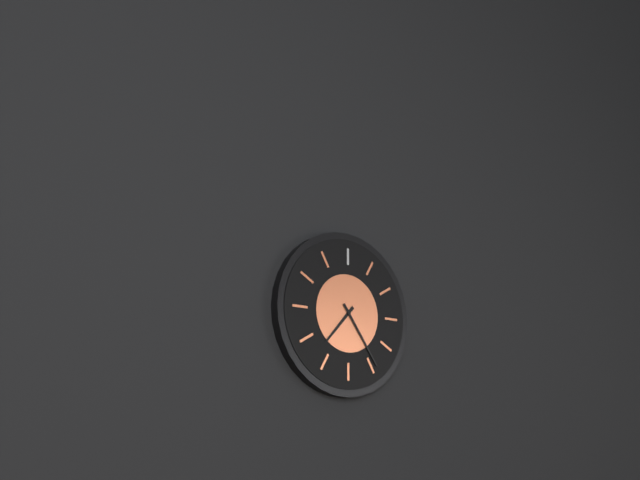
7,24
